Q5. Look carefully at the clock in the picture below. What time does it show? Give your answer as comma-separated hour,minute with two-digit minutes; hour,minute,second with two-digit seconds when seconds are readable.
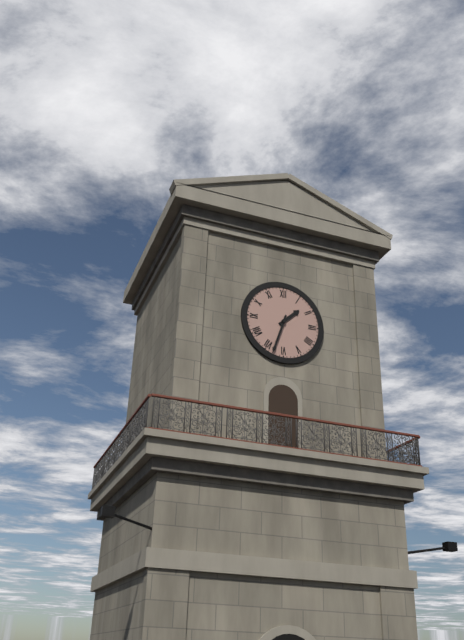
1,33
